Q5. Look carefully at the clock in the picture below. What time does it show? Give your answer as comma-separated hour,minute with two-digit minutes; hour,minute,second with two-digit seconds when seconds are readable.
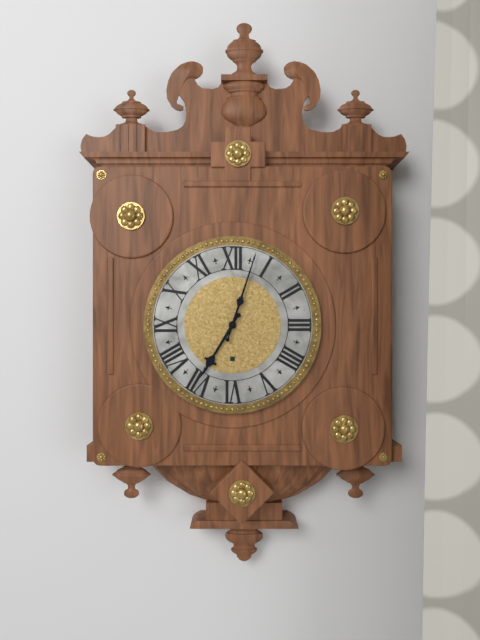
7,03
